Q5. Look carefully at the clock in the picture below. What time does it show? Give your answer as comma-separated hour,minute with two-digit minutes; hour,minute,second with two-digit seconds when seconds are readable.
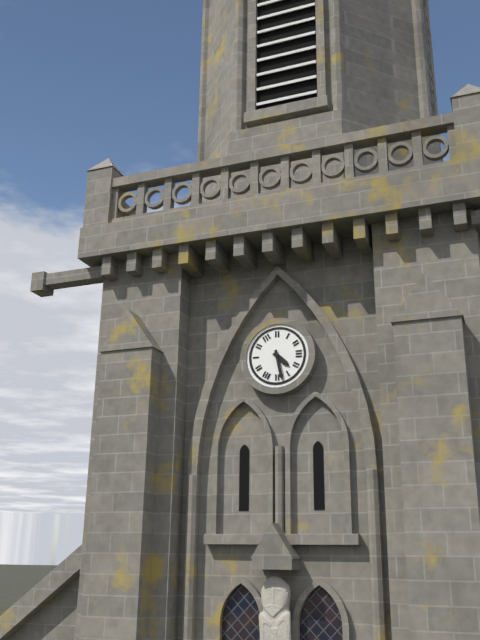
4,28
